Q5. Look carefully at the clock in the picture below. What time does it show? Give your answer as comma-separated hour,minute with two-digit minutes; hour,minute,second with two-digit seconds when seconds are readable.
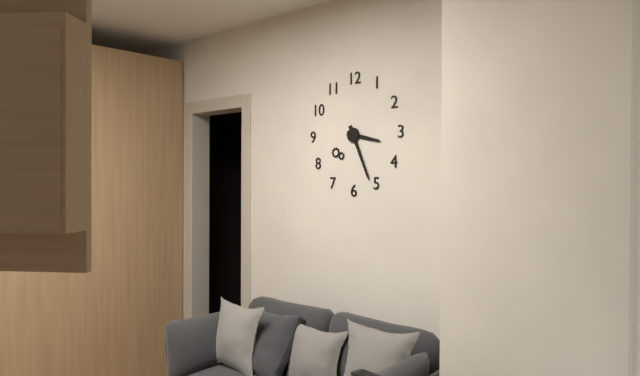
3,26
